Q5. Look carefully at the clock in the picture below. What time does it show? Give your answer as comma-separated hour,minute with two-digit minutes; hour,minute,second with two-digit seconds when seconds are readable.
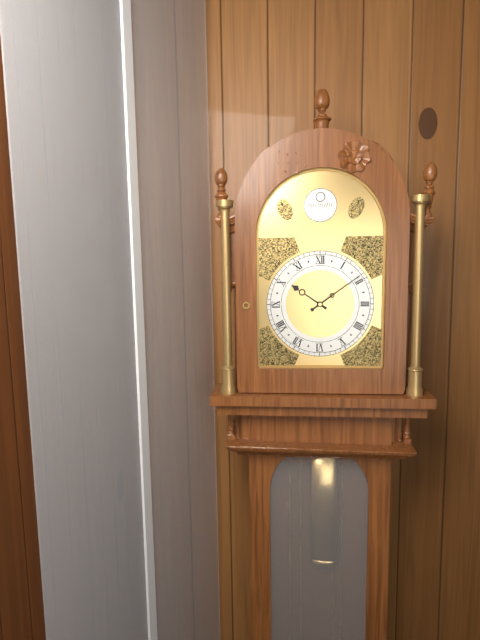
10,09
